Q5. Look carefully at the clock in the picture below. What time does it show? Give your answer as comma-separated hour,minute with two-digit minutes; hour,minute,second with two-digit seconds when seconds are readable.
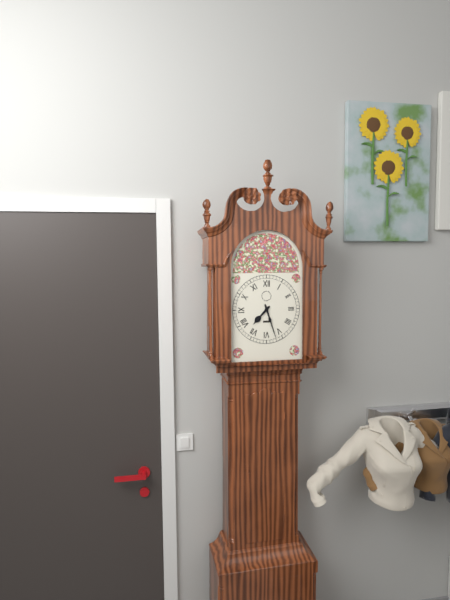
7,27
